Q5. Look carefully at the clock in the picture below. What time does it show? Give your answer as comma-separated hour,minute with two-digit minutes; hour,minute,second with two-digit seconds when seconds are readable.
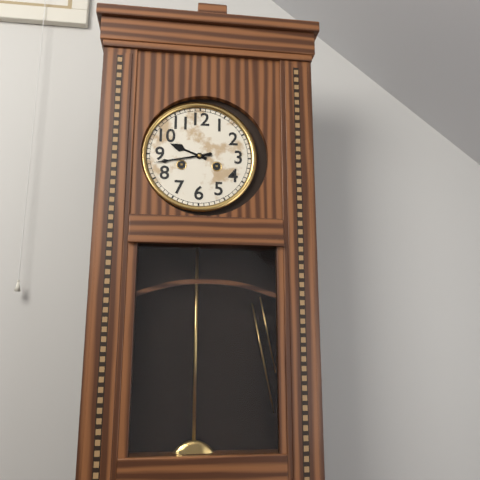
9,43
